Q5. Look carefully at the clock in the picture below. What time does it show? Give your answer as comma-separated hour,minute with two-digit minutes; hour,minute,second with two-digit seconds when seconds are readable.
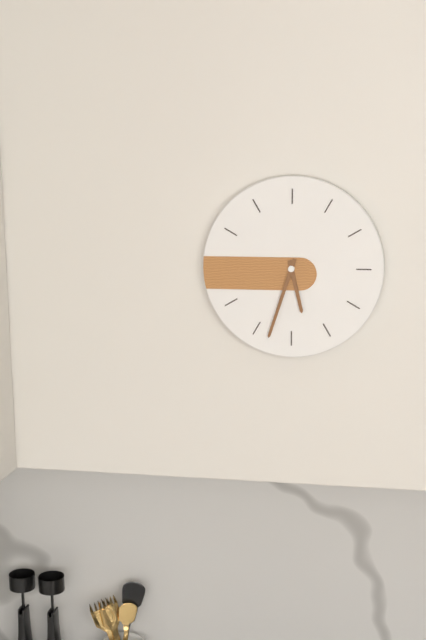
5,33
